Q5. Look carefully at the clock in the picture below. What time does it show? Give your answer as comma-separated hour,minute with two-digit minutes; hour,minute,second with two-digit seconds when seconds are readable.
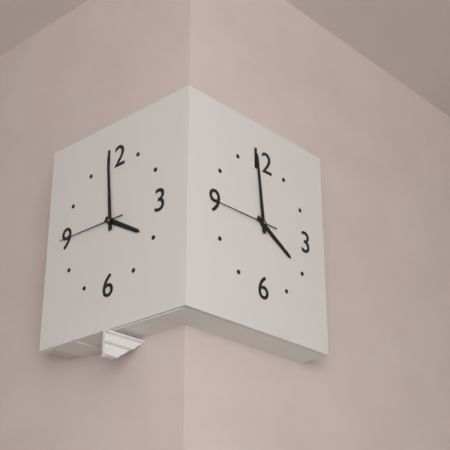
3,59,45
